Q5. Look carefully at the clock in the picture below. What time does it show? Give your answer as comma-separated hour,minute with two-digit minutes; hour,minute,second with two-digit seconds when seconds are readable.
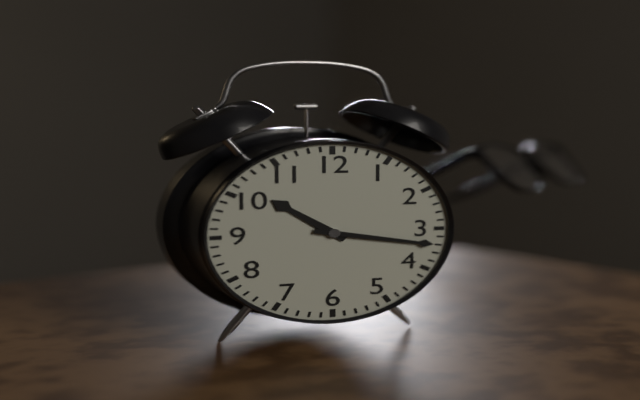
10,17
